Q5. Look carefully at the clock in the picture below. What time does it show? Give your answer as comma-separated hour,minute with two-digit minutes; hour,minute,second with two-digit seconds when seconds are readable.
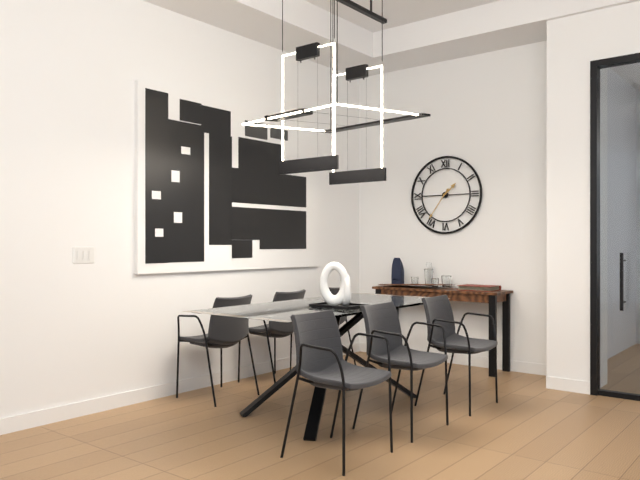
1,36
